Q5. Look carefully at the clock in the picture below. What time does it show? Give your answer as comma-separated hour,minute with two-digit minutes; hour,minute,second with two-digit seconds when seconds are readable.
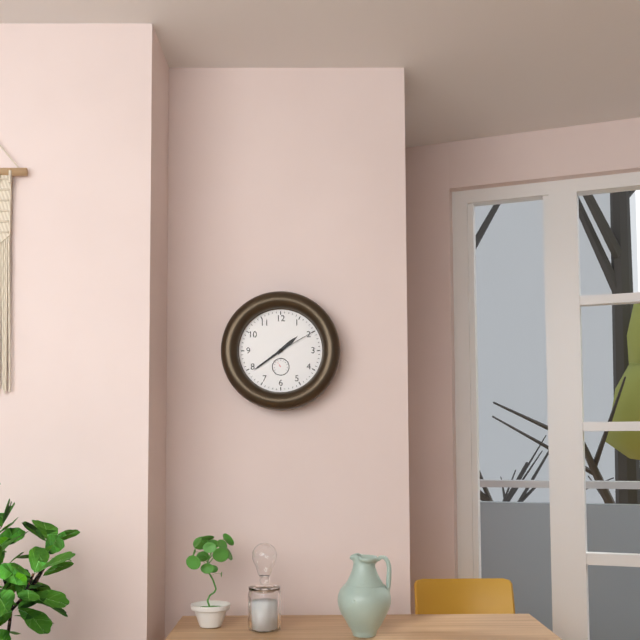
1,39
